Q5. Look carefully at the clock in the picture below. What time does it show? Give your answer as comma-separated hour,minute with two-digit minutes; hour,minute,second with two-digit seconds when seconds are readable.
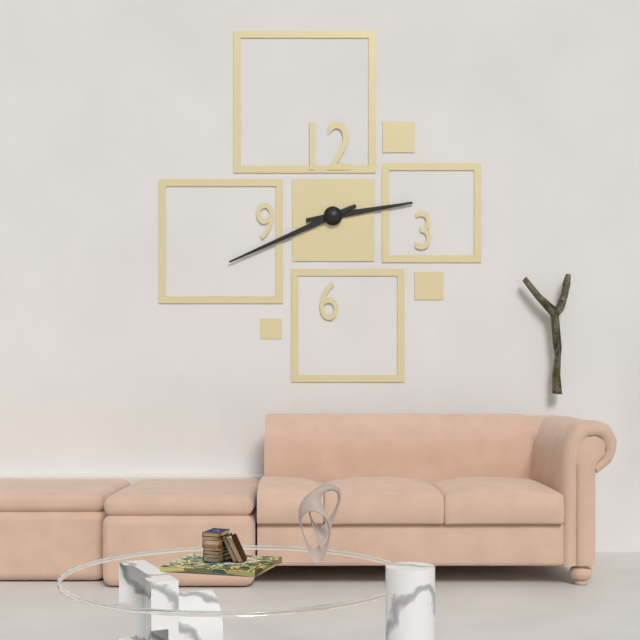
2,41
